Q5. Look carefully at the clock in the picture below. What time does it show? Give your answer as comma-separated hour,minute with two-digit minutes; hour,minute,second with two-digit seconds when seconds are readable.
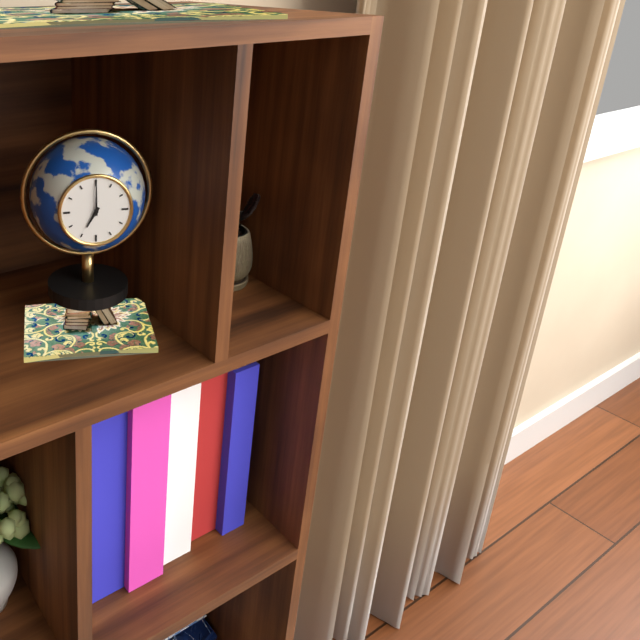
7,00
